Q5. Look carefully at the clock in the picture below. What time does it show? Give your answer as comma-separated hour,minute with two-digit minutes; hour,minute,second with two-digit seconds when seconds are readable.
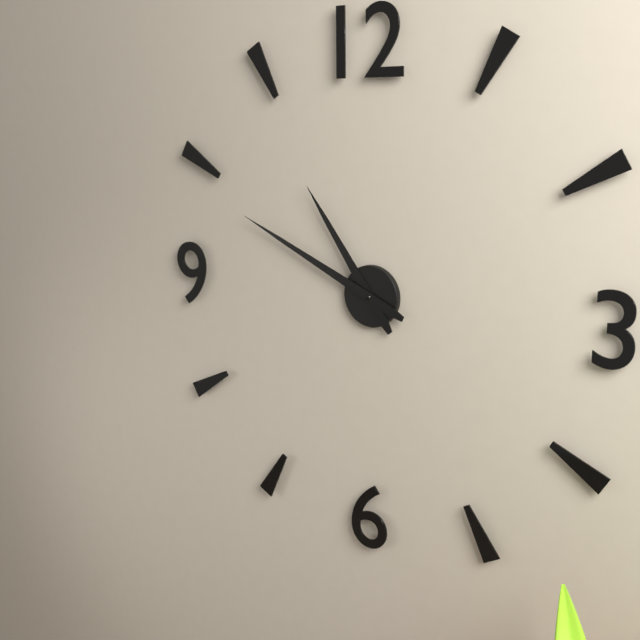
10,49
